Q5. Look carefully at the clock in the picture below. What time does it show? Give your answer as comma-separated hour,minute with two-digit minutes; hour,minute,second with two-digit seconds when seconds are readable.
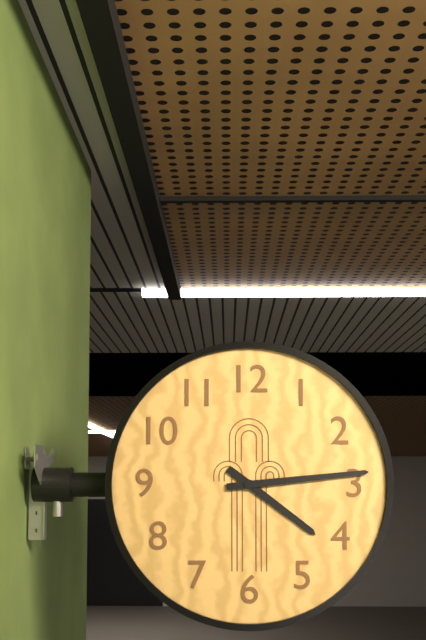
4,14
